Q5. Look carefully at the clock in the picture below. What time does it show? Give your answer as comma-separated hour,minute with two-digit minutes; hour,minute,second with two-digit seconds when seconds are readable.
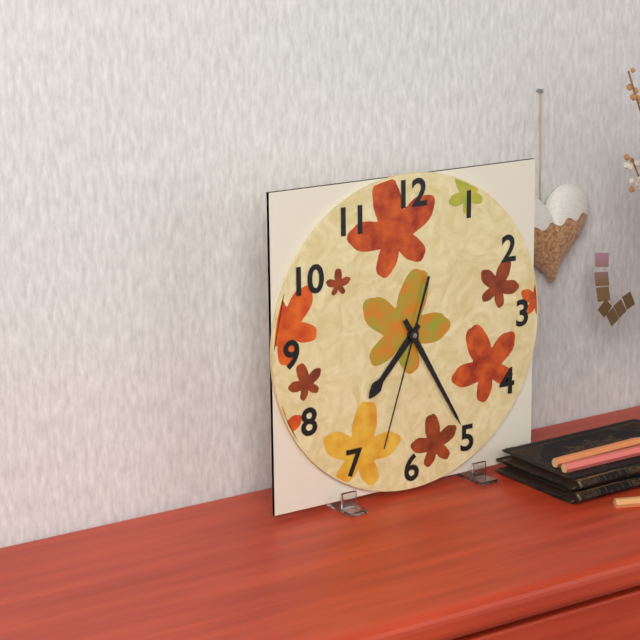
7,25,33
